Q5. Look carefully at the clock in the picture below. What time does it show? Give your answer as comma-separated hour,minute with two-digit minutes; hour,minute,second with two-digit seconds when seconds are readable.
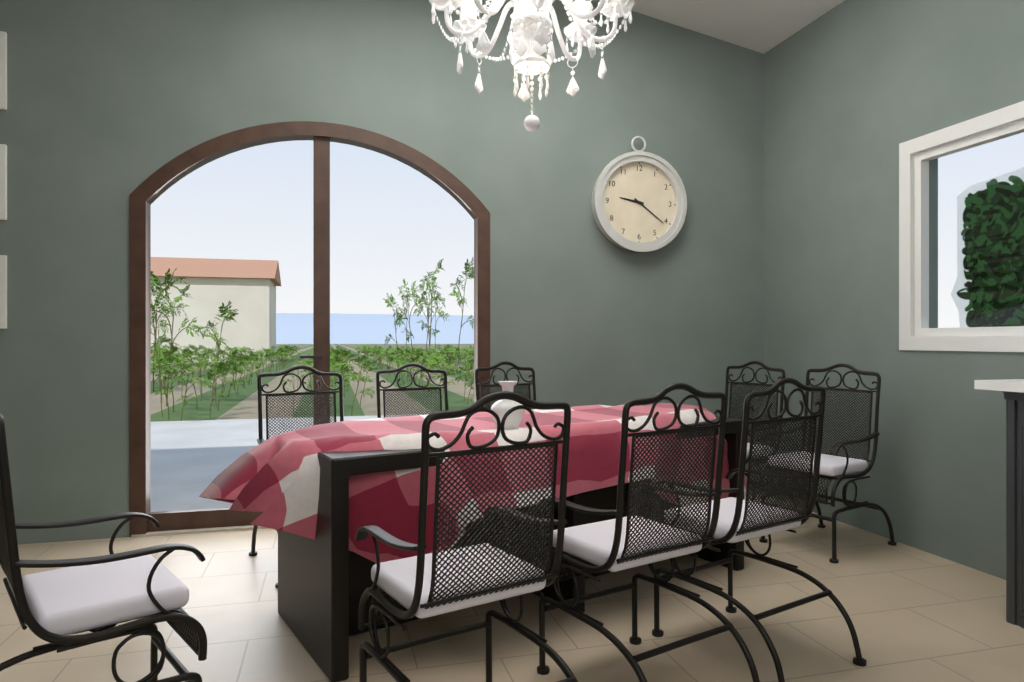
9,21
